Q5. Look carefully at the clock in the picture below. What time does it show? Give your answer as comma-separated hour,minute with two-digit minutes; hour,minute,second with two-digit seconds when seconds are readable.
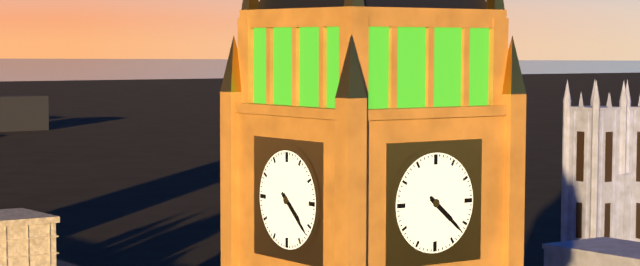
4,22
